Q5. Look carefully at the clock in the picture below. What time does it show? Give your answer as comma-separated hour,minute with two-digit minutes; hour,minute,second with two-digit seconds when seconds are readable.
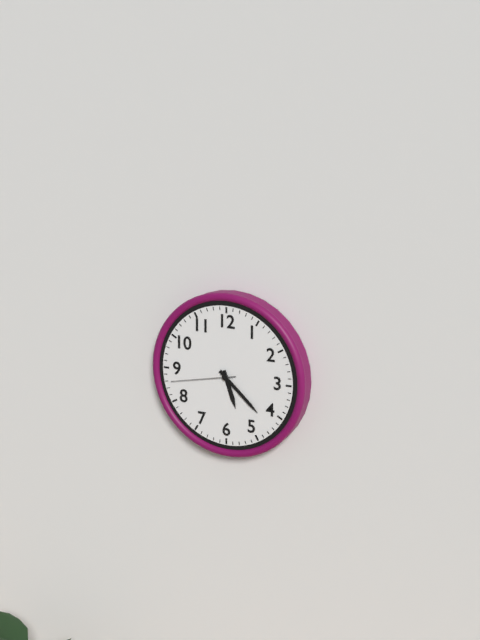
5,22,43
